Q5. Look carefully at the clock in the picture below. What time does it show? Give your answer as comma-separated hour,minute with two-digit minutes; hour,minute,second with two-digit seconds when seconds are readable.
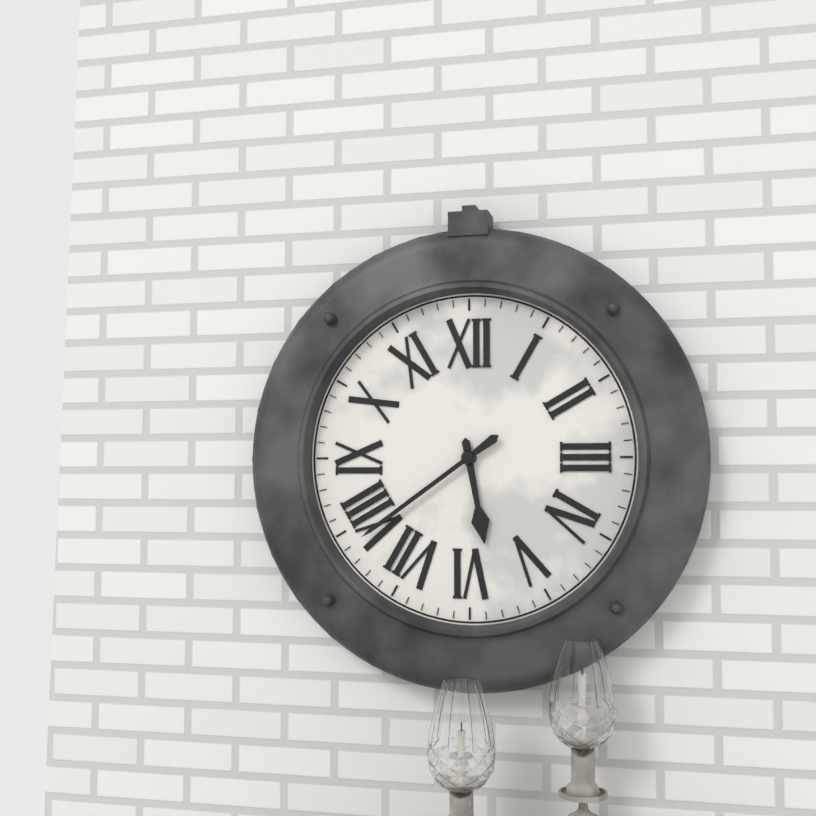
5,39
